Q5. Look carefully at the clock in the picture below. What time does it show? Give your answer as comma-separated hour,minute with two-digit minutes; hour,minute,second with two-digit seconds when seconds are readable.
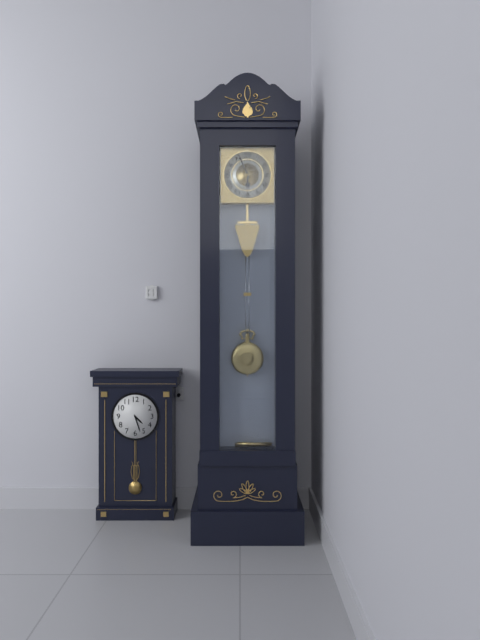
5,56
